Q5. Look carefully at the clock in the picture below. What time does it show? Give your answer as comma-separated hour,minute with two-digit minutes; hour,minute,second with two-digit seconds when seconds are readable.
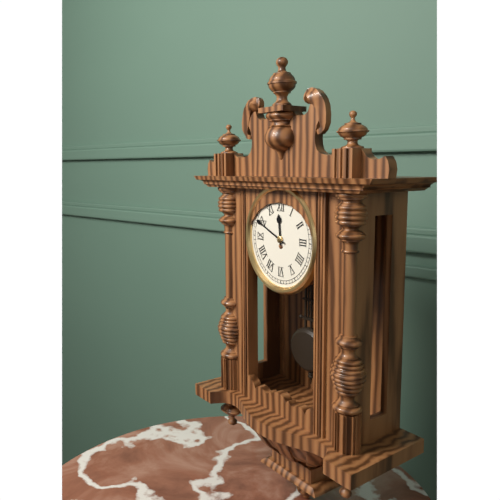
11,49
